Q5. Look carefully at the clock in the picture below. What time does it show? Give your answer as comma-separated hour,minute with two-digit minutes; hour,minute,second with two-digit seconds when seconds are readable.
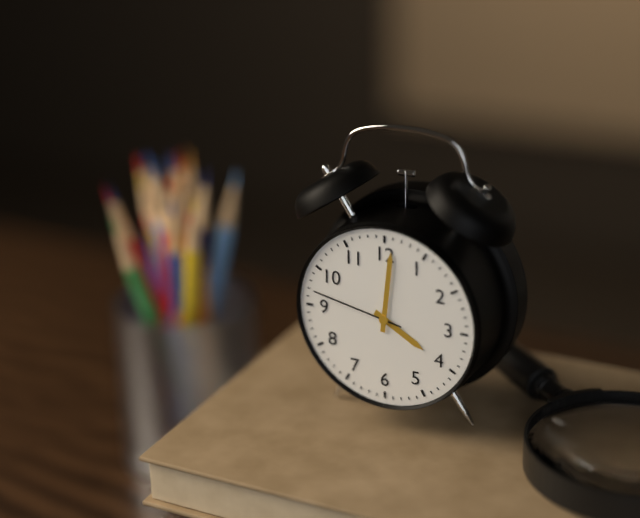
4,01,47
